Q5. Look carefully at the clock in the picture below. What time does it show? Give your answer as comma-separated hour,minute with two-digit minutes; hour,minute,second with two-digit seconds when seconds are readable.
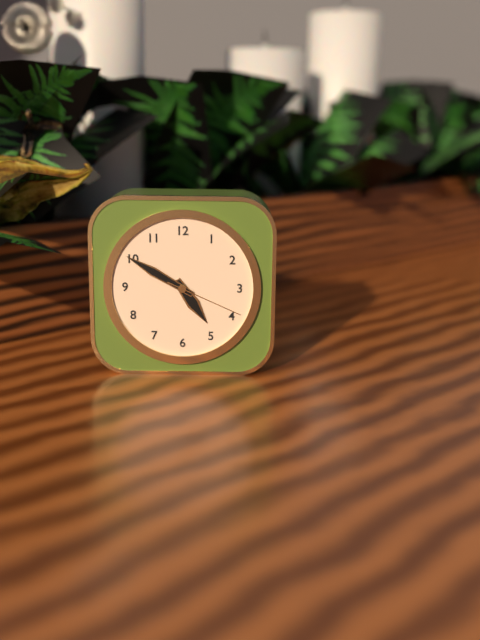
4,50,19
